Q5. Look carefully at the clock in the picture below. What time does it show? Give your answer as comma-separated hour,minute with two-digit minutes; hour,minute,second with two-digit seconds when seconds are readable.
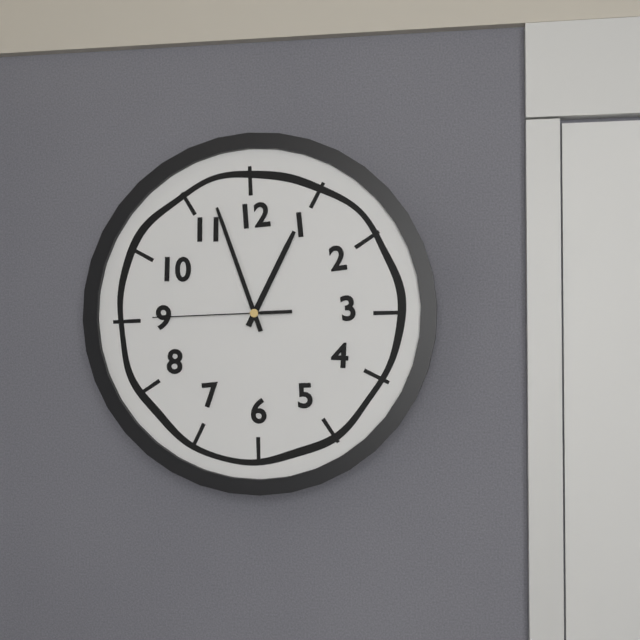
12,57,45
